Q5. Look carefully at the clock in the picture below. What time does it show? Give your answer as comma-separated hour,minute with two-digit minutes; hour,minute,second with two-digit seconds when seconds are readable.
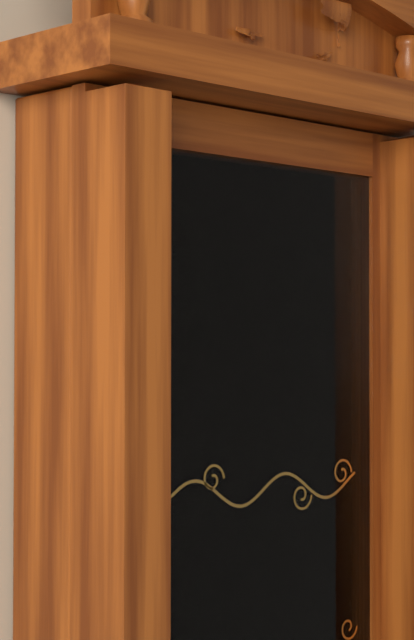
7,32,42
